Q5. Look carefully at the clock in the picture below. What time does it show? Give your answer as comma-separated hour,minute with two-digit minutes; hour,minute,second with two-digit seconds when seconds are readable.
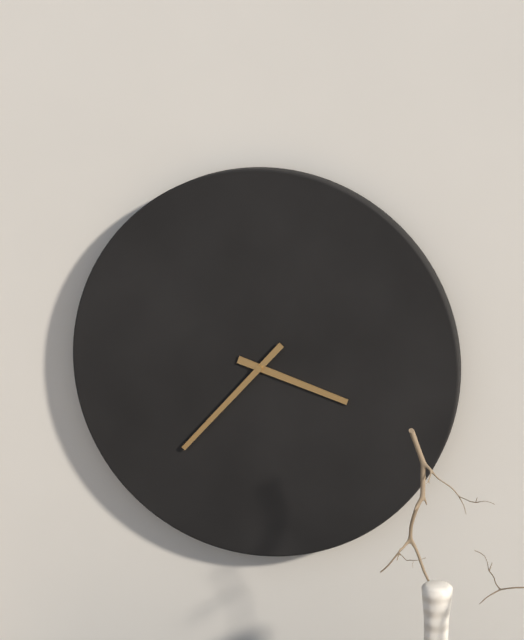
3,37
